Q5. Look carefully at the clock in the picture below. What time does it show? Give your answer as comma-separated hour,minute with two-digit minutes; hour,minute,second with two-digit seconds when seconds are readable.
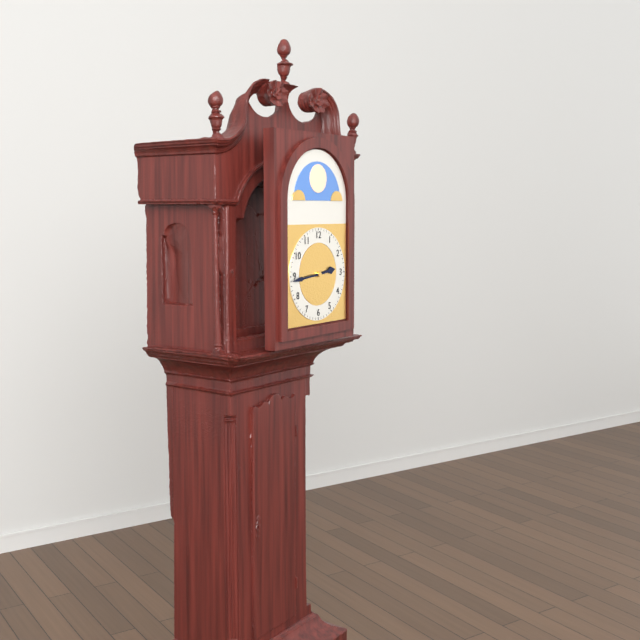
2,44
